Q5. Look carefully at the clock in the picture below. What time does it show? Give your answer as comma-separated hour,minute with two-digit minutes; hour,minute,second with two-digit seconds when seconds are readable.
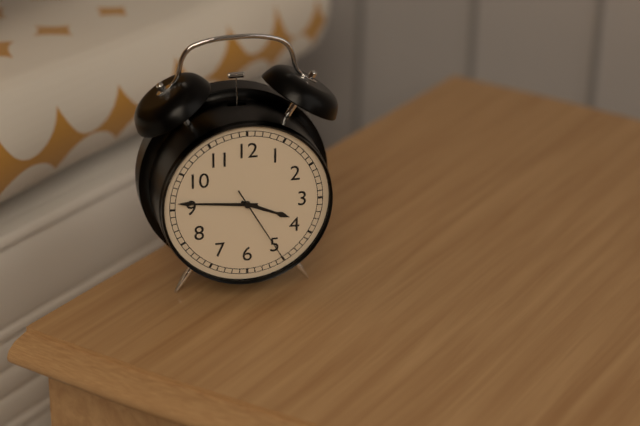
3,46,25
